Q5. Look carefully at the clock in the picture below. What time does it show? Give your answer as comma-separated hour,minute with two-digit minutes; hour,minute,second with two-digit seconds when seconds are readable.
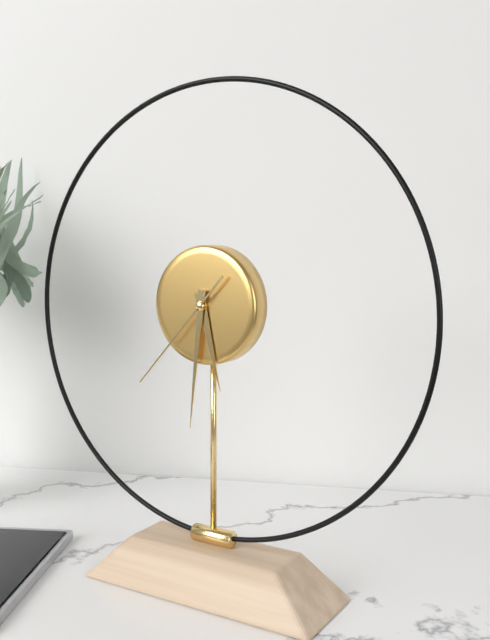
5,31,37
